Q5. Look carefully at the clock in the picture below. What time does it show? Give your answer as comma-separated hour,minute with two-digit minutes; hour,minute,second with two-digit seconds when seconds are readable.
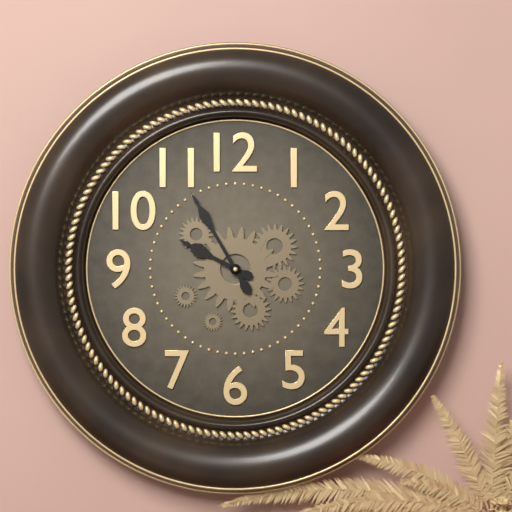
9,55
